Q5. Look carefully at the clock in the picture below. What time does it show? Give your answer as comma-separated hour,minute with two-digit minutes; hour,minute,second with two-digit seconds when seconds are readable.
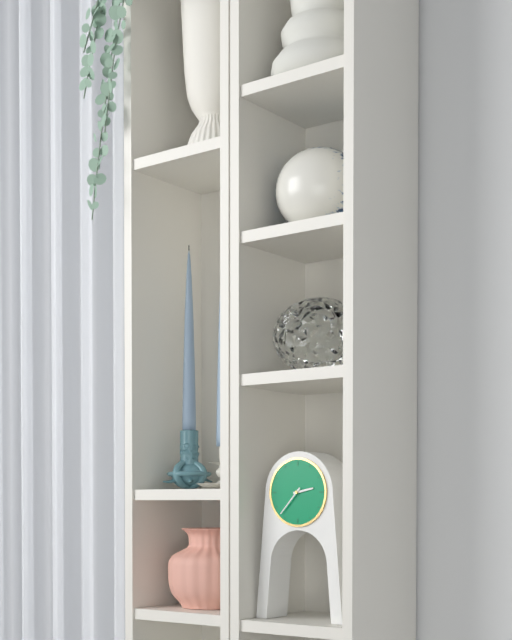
2,37
